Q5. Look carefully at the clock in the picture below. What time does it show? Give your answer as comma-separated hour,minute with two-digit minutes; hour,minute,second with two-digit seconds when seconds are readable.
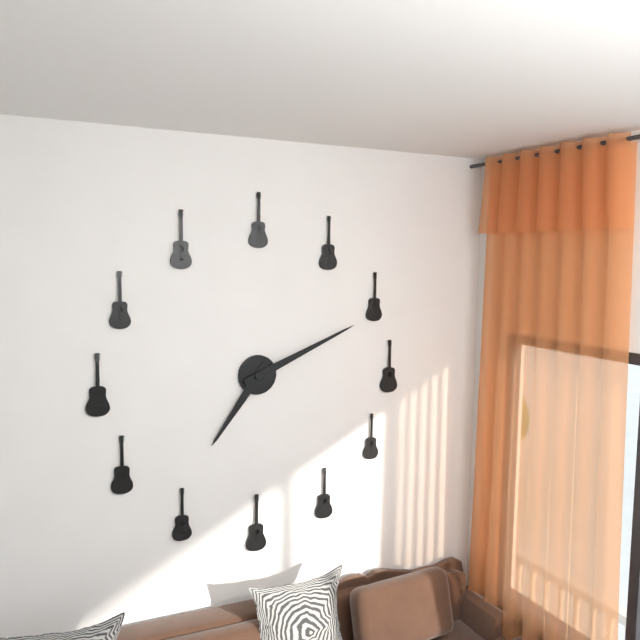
7,11
